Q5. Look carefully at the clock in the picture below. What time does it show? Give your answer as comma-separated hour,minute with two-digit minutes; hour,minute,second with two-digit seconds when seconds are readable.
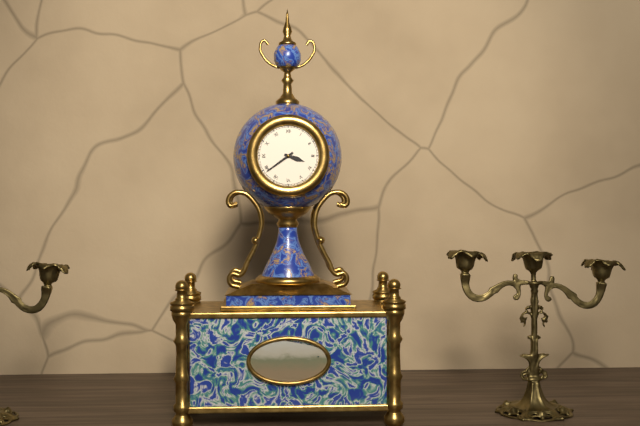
3,39
